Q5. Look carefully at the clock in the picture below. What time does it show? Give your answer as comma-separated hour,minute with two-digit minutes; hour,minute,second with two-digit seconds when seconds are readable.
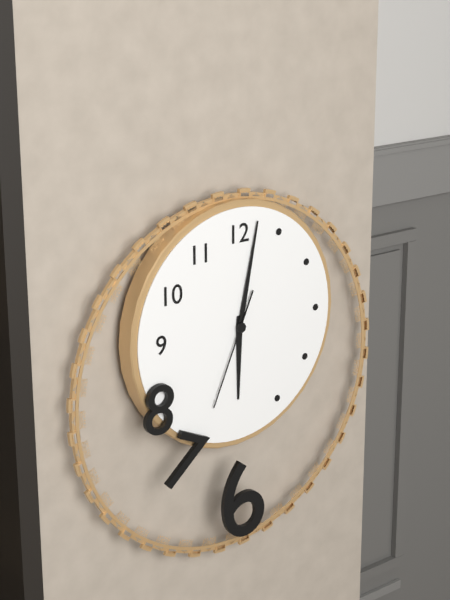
6,02,34
